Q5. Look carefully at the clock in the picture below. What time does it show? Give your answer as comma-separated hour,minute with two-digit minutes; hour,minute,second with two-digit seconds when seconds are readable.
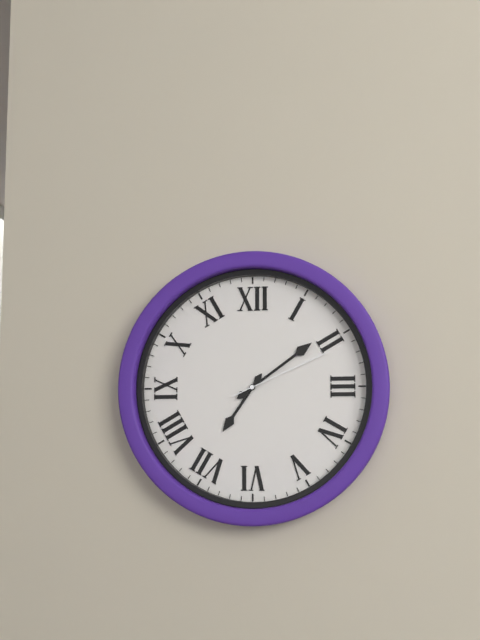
7,09,11
